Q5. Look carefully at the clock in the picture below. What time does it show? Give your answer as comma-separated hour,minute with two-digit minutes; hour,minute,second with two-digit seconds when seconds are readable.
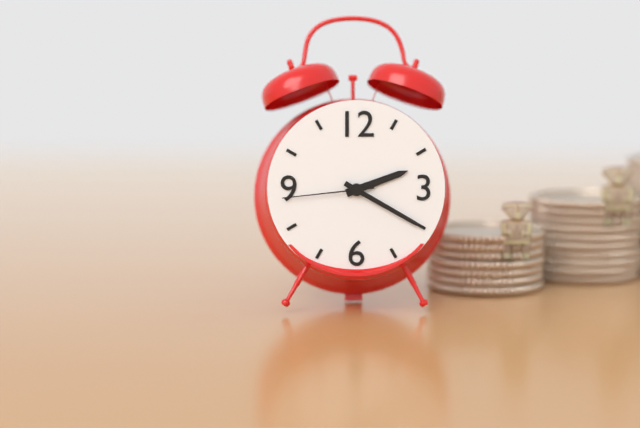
2,20,44
